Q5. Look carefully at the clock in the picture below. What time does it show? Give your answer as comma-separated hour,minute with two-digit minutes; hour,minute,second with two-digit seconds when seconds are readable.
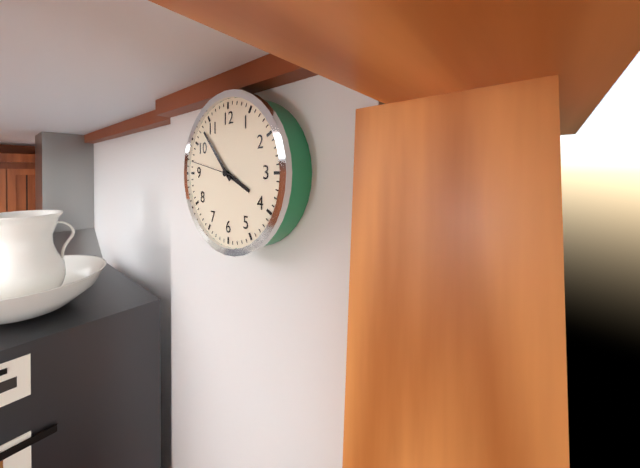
3,53
